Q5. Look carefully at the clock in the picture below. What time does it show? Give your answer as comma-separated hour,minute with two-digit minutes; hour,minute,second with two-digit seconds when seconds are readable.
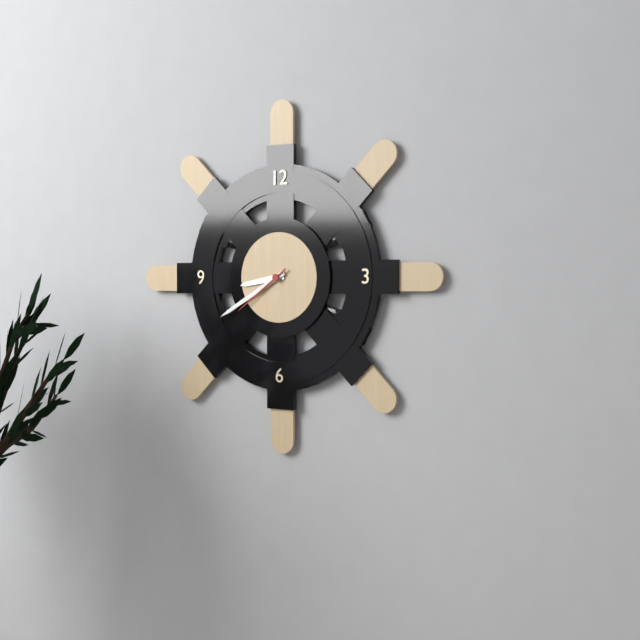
8,40,39
